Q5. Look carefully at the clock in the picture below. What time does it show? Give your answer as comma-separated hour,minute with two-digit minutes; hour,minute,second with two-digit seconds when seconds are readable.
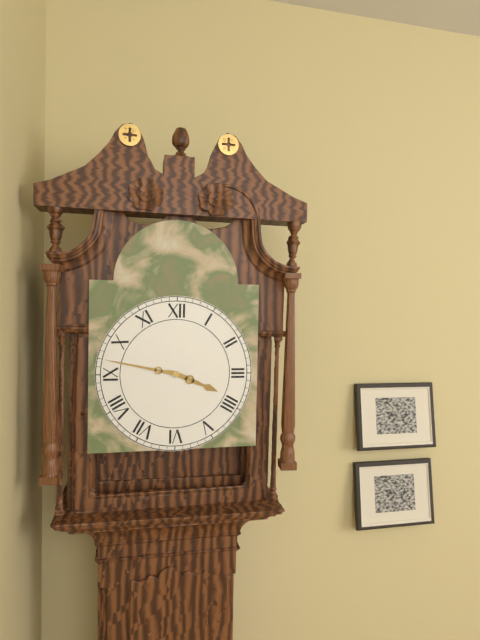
3,47
